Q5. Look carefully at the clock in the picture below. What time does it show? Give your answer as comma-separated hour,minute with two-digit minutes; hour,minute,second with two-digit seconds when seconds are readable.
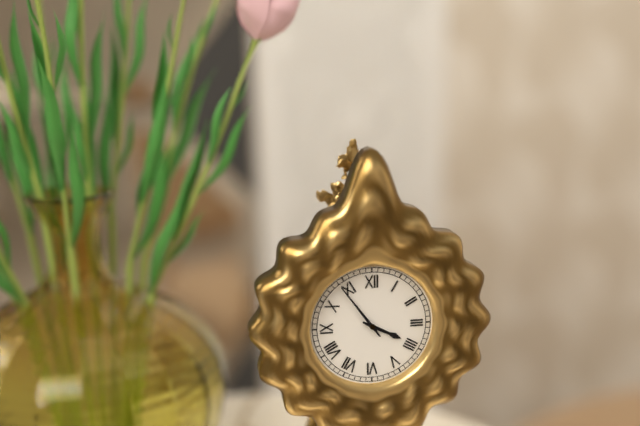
3,54
